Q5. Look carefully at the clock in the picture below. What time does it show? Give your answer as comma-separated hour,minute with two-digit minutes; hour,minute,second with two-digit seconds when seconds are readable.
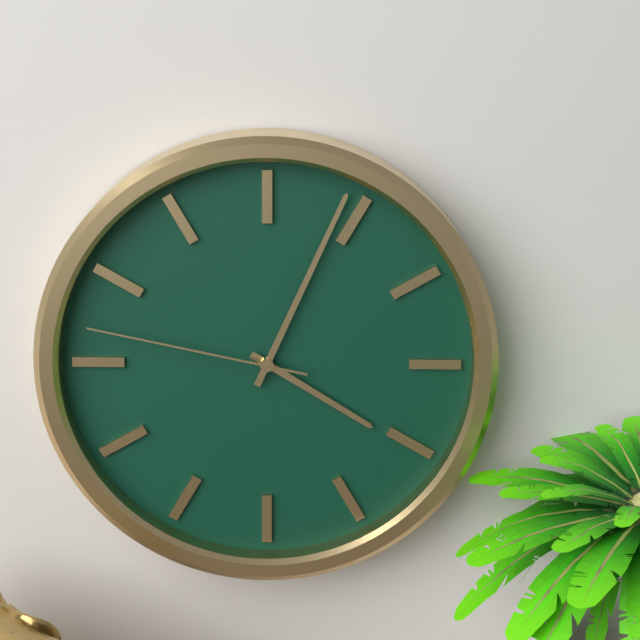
4,04,47
